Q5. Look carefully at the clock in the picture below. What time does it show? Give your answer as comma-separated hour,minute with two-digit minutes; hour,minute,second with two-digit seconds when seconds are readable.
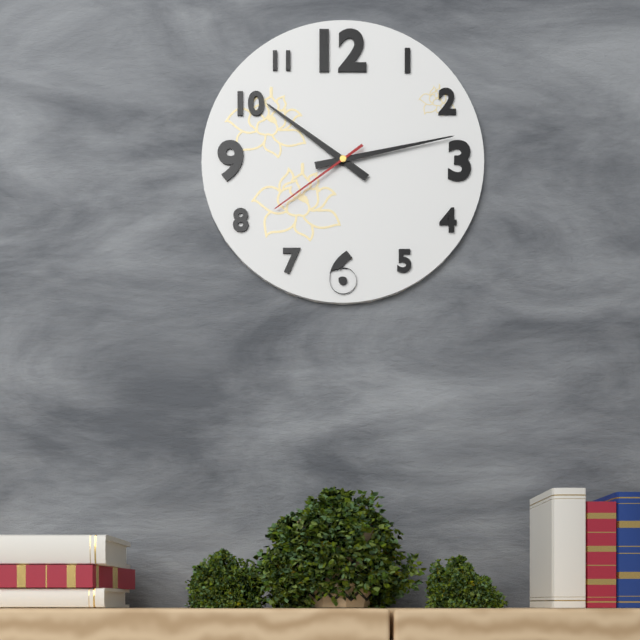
10,13,39
